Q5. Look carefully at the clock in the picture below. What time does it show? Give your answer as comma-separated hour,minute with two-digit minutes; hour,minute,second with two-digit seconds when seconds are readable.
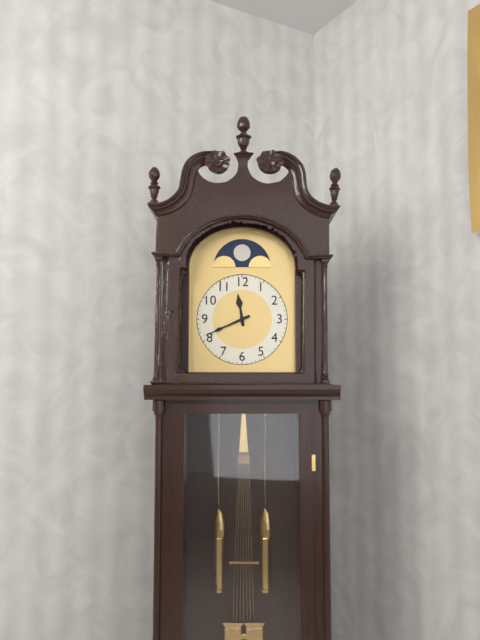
11,41
